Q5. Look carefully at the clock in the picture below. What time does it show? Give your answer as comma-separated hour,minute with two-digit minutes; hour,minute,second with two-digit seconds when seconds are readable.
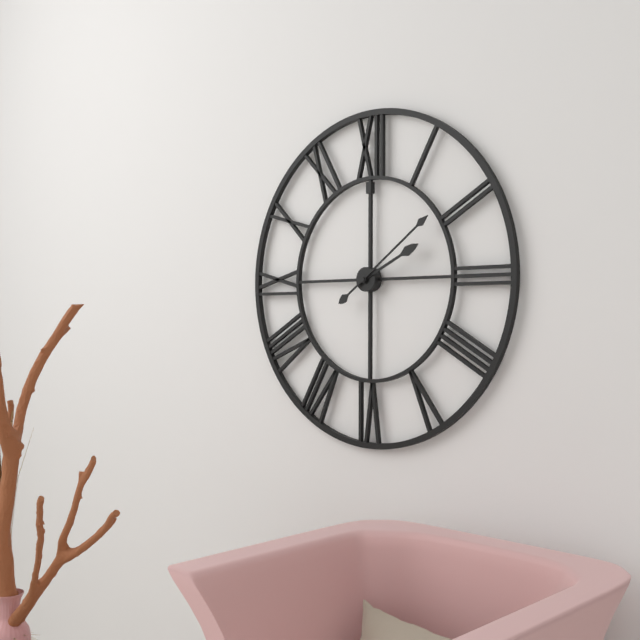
2,09
